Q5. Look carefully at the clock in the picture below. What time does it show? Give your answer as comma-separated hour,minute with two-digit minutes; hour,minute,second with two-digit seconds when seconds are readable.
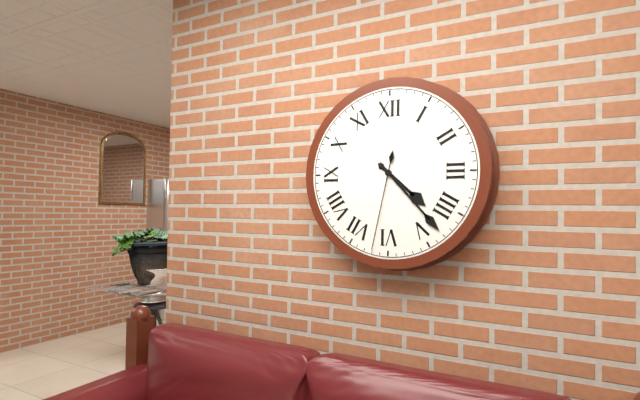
4,23,32
